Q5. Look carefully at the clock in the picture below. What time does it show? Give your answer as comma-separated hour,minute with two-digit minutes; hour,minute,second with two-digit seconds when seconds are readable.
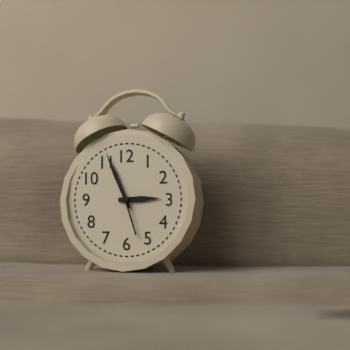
2,56
